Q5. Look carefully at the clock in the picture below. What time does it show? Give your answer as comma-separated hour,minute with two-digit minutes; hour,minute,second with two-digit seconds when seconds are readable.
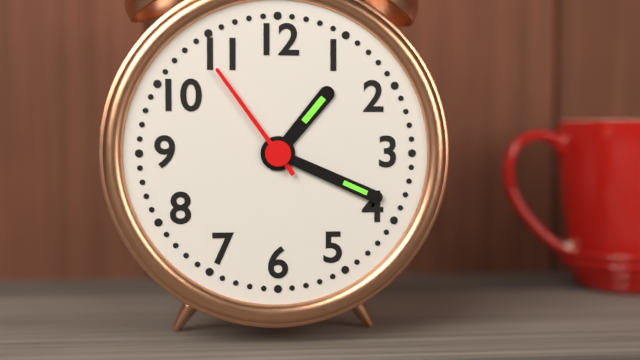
1,19,54
